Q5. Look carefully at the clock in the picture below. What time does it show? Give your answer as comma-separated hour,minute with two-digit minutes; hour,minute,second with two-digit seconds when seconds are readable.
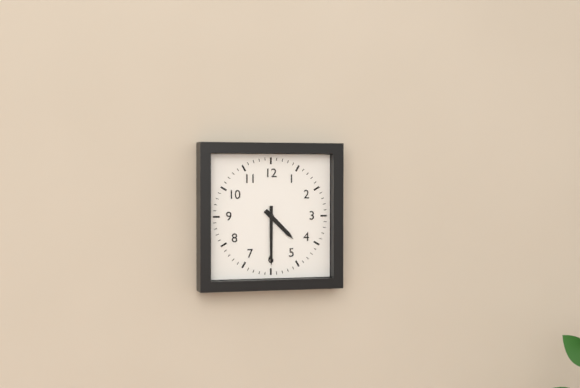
4,30
